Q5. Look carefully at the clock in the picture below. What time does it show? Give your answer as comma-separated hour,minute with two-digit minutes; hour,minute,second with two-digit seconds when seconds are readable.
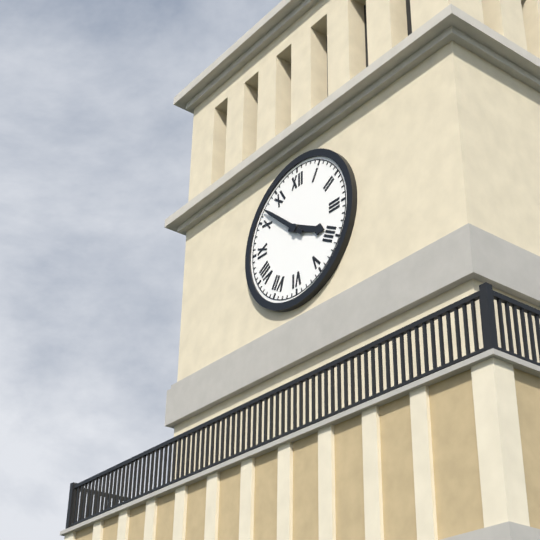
3,52
